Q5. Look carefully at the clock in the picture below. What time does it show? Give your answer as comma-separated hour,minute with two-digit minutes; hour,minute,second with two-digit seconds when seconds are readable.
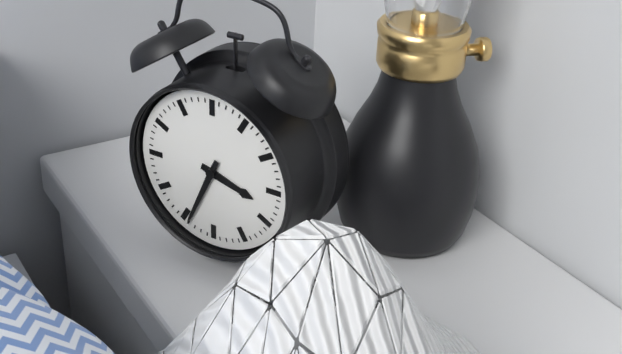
3,34
